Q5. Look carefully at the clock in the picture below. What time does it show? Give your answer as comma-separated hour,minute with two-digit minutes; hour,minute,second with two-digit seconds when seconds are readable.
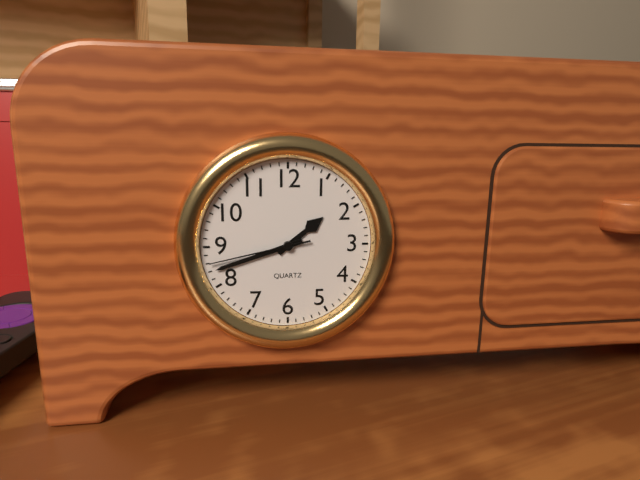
1,42,43
